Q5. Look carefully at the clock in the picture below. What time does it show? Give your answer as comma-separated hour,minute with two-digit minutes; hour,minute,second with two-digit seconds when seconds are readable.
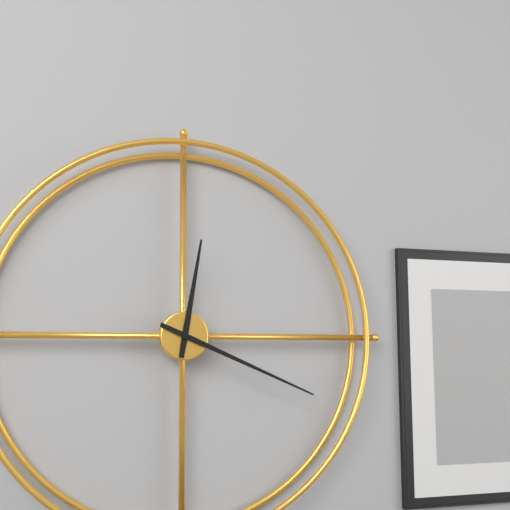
12,19
